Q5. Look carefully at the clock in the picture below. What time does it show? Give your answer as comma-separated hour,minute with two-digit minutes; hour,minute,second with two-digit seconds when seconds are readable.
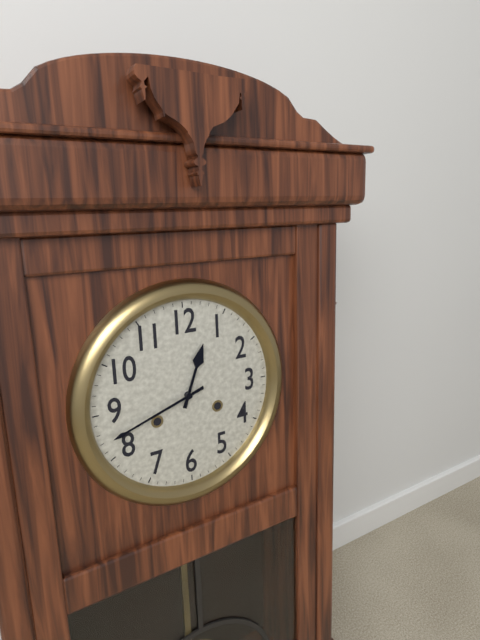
12,42
